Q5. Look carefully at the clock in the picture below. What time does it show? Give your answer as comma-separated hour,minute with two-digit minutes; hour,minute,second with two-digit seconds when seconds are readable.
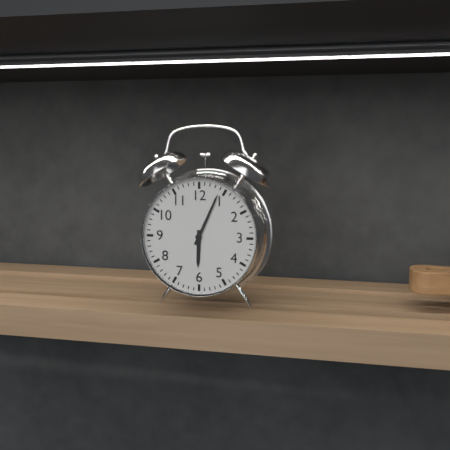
6,04
